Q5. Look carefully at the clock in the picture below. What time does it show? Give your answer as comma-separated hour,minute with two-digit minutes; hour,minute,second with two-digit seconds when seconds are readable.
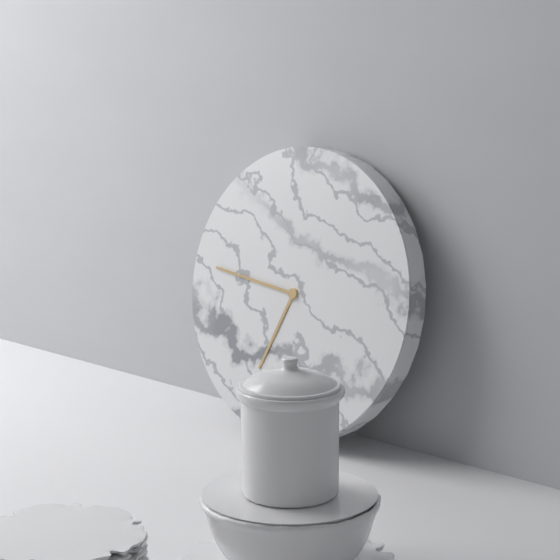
6,46
